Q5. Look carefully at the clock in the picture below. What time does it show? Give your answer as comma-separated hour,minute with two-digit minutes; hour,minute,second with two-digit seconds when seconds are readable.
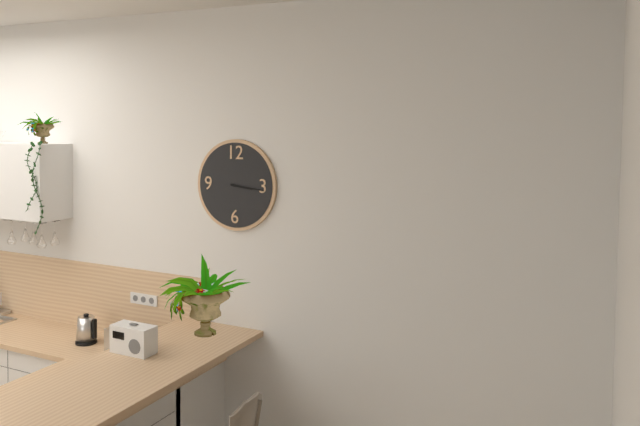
3,16
